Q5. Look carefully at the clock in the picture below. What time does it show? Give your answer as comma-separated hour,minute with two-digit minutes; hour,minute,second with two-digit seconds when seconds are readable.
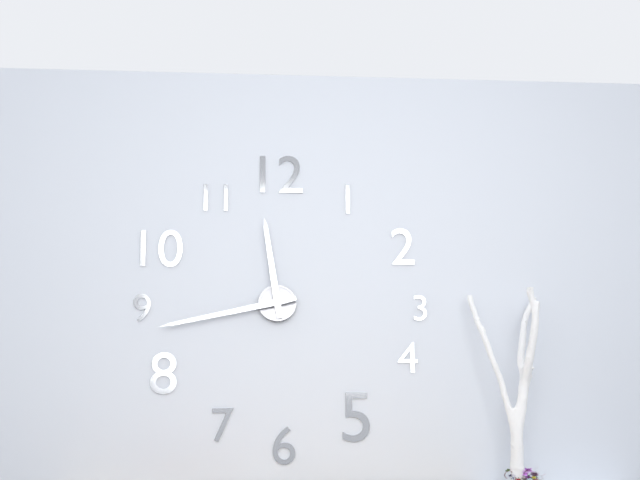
11,43
